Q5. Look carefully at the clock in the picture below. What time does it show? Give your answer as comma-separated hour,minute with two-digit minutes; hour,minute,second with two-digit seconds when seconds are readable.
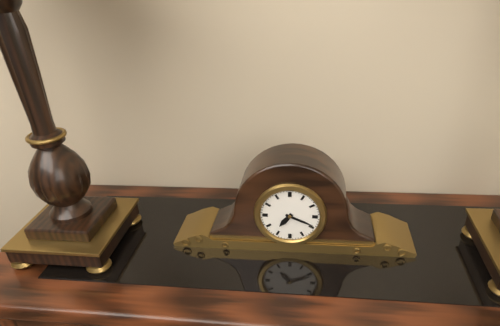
7,19
